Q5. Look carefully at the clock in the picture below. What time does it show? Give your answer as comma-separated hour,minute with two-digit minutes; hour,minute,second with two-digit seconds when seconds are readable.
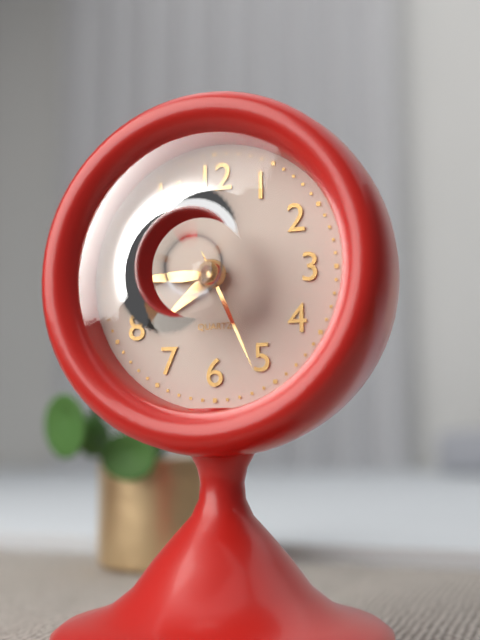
7,45,26
